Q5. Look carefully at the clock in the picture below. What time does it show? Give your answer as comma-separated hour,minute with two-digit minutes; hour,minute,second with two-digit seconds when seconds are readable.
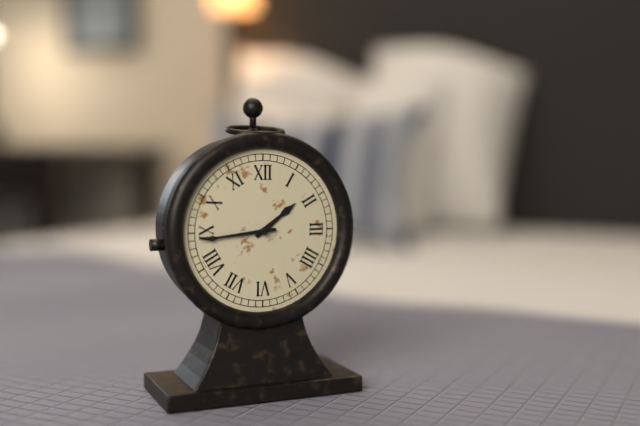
1,44
